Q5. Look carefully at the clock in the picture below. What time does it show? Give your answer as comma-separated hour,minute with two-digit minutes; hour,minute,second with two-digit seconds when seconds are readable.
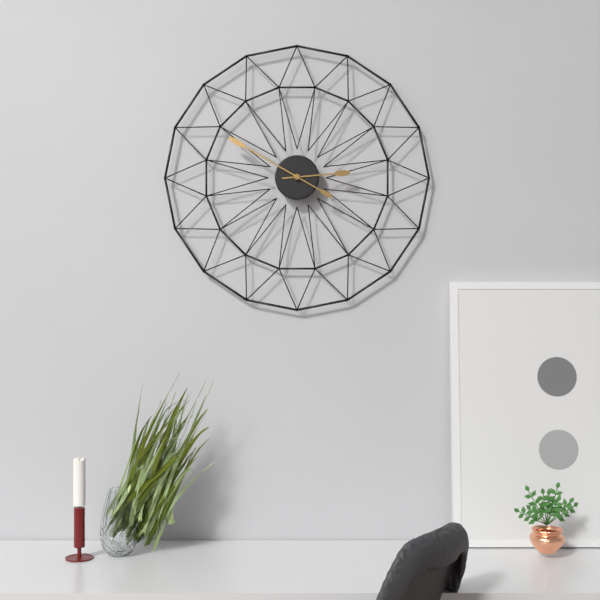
2,50
